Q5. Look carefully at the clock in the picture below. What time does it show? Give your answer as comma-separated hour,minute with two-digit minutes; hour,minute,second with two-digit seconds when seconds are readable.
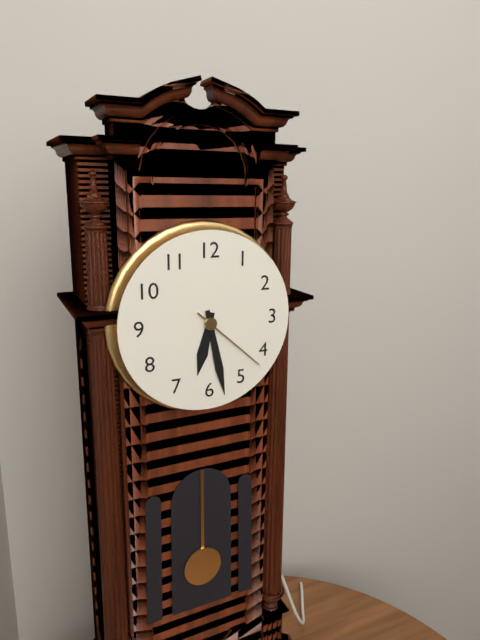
6,28,22
